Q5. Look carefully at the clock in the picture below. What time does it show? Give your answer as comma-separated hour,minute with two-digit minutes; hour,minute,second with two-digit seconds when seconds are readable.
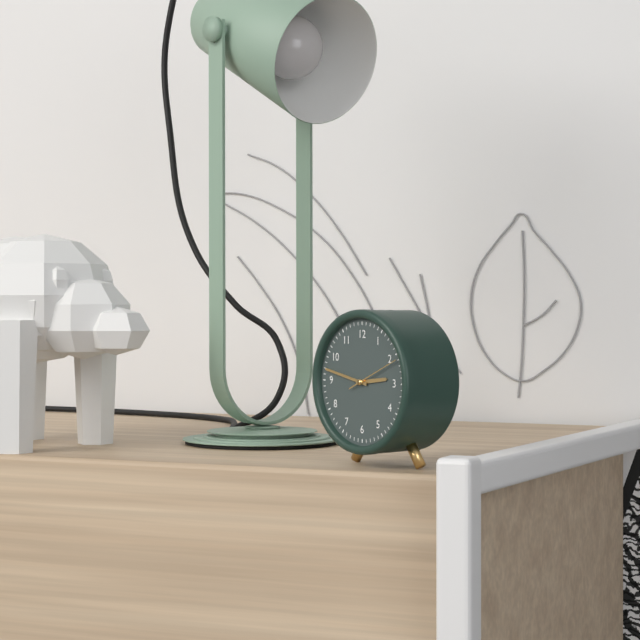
2,47,11
